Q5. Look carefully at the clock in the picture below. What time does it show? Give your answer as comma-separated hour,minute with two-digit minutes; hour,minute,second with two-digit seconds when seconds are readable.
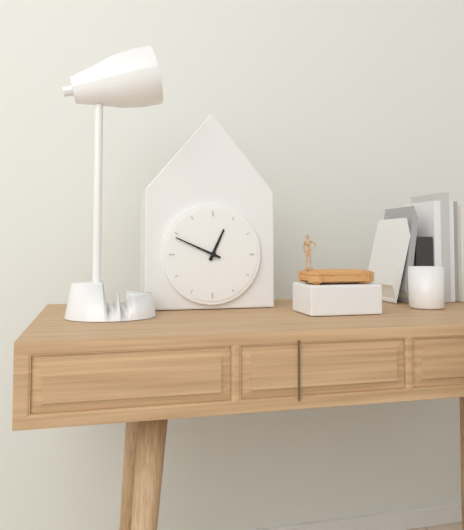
12,49
